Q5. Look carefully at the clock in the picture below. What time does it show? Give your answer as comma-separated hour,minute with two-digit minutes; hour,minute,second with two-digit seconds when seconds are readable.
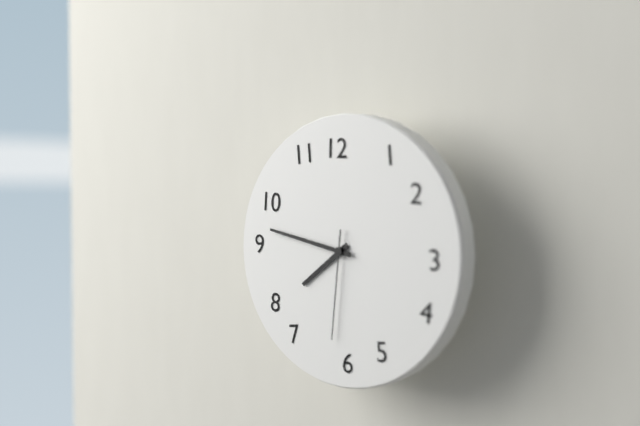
7,47,31
